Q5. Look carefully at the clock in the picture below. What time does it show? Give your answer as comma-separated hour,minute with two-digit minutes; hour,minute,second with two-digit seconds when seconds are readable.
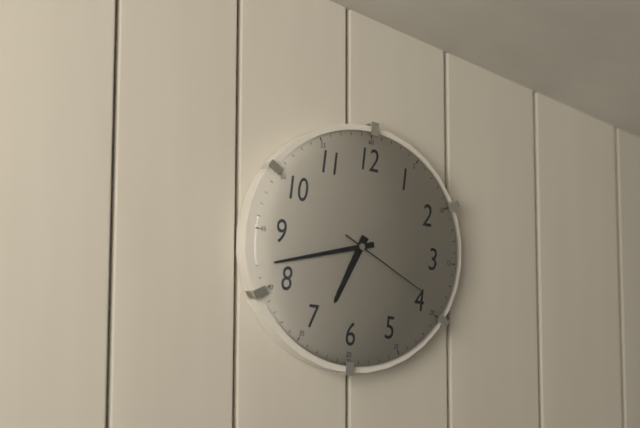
6,42,19
